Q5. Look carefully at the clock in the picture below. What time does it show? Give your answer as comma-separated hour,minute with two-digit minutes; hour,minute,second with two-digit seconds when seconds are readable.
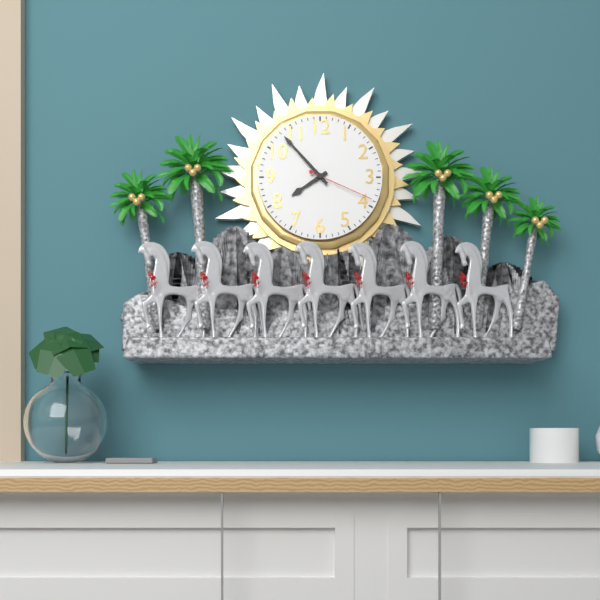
7,53,19
